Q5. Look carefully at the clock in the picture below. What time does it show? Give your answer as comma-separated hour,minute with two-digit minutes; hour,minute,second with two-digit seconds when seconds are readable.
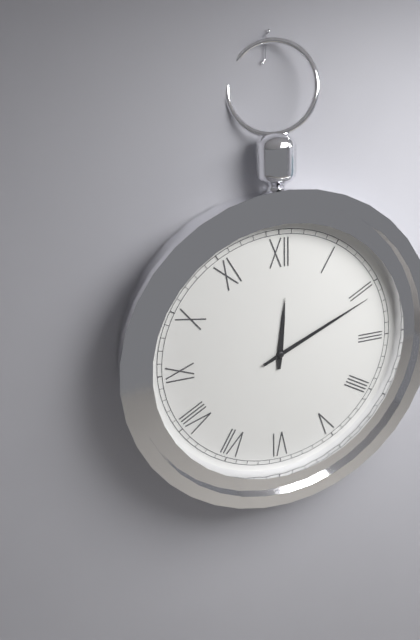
12,11
